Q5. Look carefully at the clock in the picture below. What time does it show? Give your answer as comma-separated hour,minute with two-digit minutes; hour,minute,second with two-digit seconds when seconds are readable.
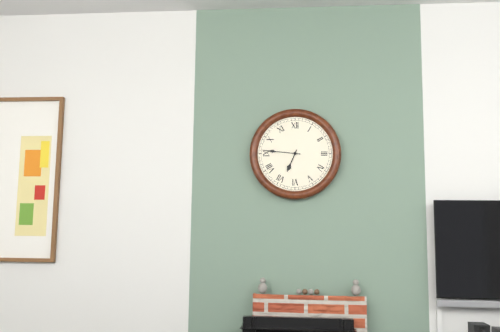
6,46
